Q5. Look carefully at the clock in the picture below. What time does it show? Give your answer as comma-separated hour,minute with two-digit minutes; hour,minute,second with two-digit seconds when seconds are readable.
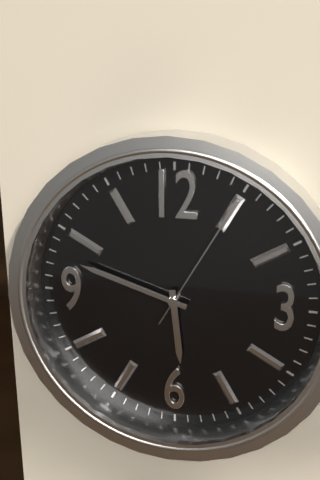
5,48,05
